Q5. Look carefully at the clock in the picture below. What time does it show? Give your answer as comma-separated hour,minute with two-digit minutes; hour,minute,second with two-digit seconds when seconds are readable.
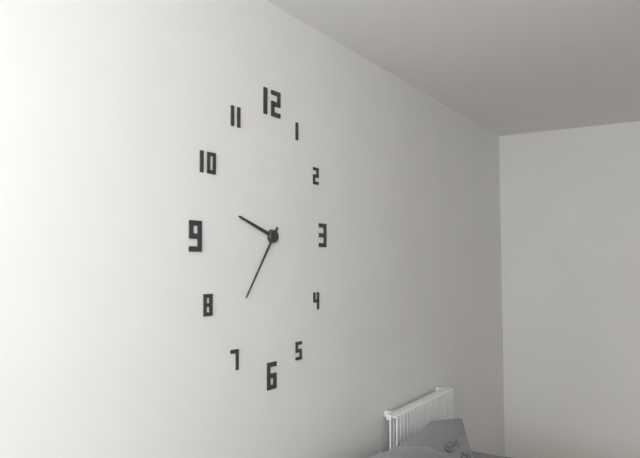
9,36
